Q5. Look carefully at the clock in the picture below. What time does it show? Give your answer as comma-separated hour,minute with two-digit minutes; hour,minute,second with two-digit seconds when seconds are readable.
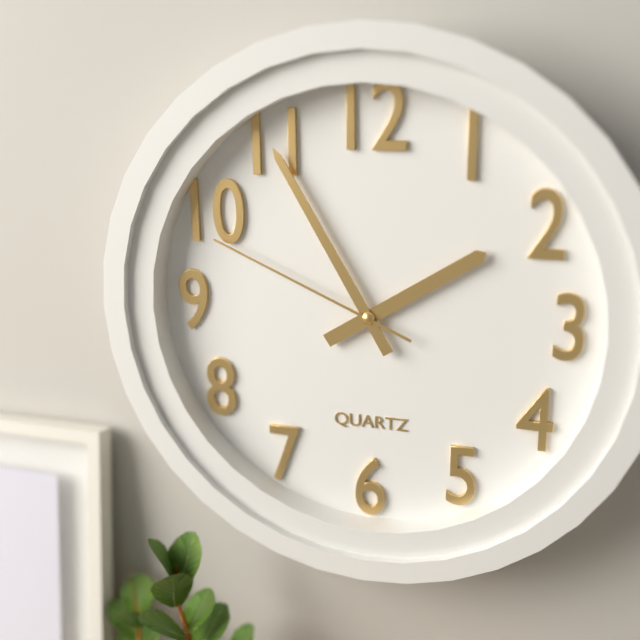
1,55,49
